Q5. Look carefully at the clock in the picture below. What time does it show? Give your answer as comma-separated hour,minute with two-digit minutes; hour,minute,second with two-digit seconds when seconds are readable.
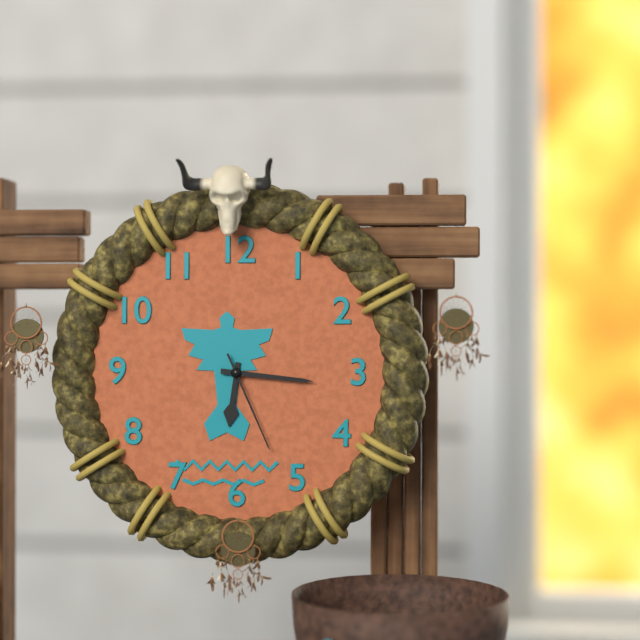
6,16,26
